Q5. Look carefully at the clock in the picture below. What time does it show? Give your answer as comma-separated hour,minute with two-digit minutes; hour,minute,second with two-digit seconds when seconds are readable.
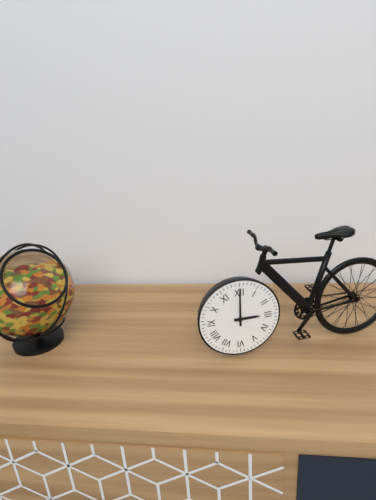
3,00
